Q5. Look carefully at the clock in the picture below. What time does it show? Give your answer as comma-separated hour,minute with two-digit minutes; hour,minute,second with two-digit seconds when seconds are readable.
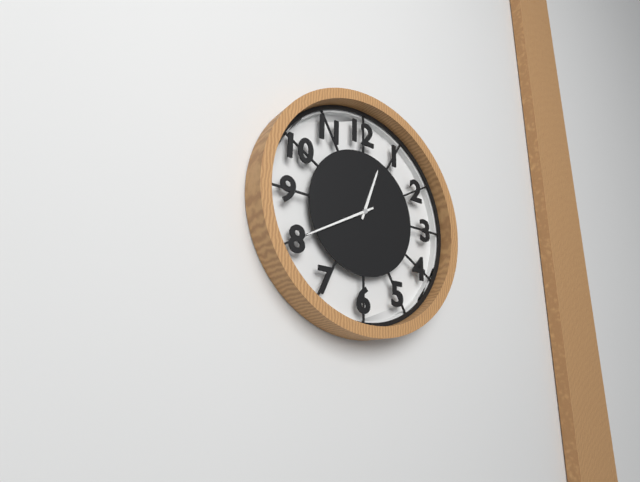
12,40
